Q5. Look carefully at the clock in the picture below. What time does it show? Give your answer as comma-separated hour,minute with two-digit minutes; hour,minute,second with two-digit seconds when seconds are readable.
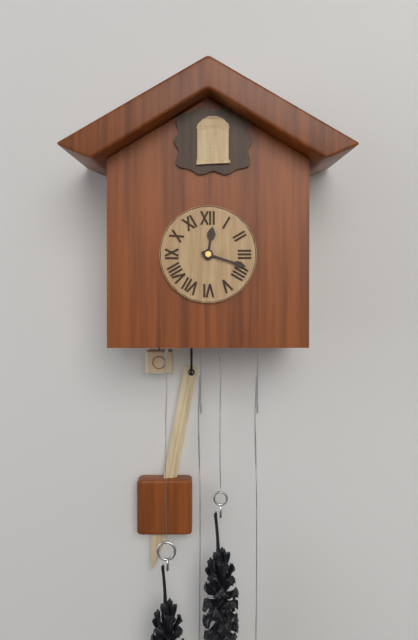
12,18
